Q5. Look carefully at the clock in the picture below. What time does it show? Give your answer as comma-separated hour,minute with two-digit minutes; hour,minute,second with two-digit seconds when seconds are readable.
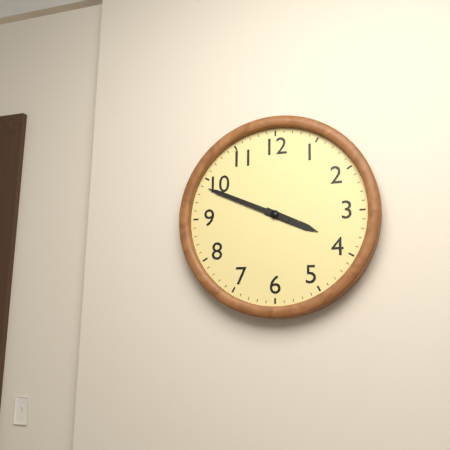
3,49
